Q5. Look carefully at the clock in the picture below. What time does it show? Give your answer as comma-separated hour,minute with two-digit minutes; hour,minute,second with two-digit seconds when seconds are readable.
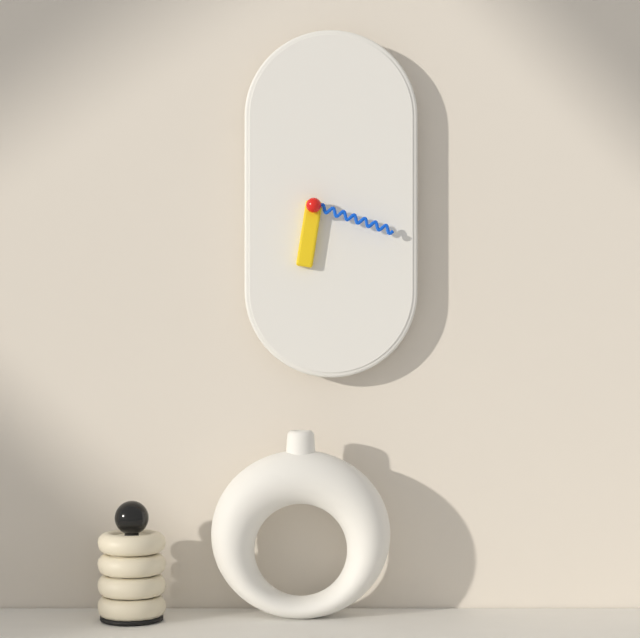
6,18
